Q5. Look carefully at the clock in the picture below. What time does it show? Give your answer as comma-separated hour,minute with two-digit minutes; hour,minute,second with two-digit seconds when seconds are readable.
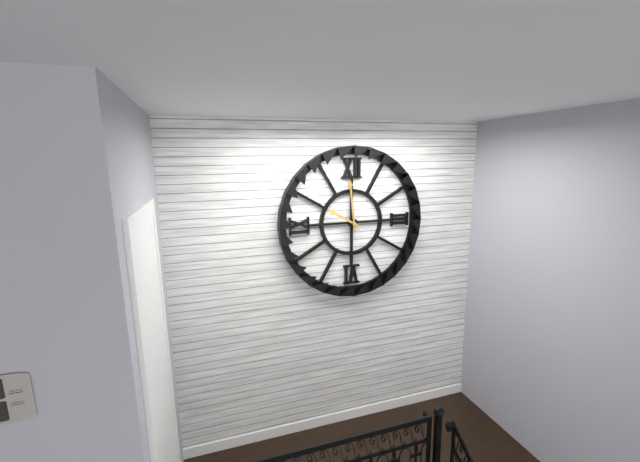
9,59
